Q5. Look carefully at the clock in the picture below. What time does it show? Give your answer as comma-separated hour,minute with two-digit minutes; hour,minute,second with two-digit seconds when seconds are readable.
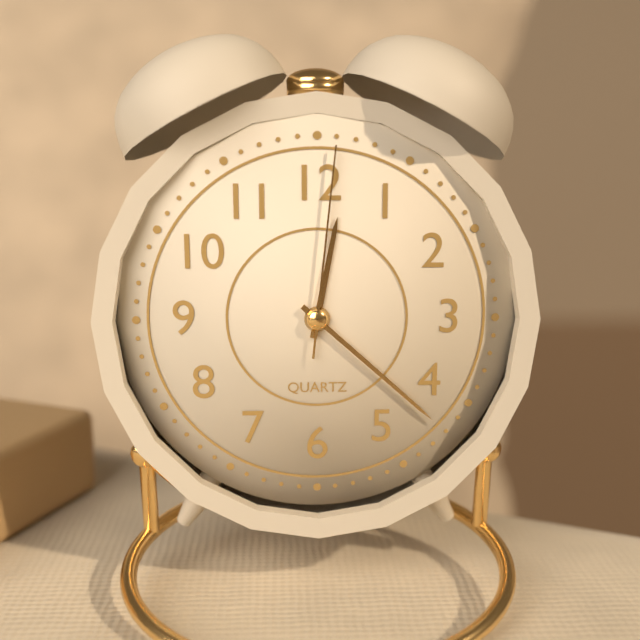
12,22,01
